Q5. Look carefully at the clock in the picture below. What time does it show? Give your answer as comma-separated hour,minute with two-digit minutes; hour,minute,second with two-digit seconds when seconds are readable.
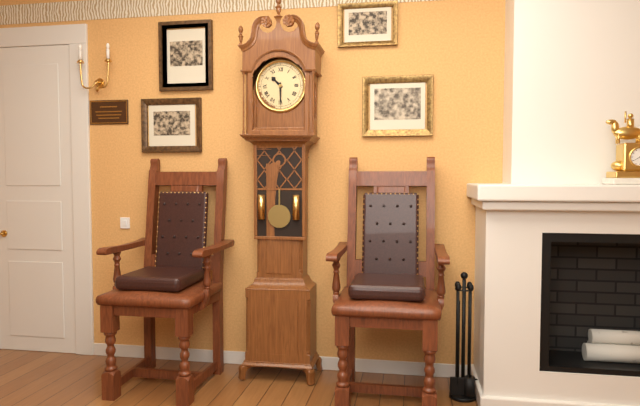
10,30
